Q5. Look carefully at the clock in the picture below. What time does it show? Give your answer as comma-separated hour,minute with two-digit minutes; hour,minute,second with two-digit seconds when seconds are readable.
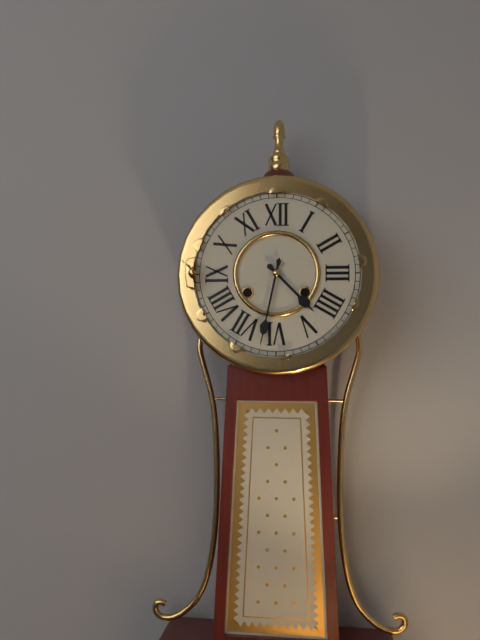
4,32
